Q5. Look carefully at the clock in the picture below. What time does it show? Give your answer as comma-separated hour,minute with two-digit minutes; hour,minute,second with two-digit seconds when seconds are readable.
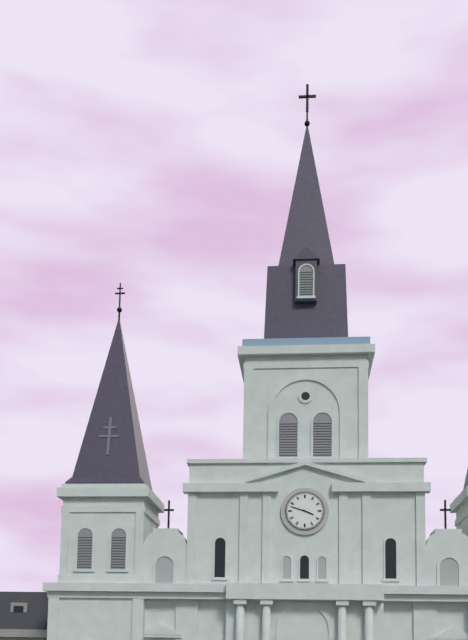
3,48
